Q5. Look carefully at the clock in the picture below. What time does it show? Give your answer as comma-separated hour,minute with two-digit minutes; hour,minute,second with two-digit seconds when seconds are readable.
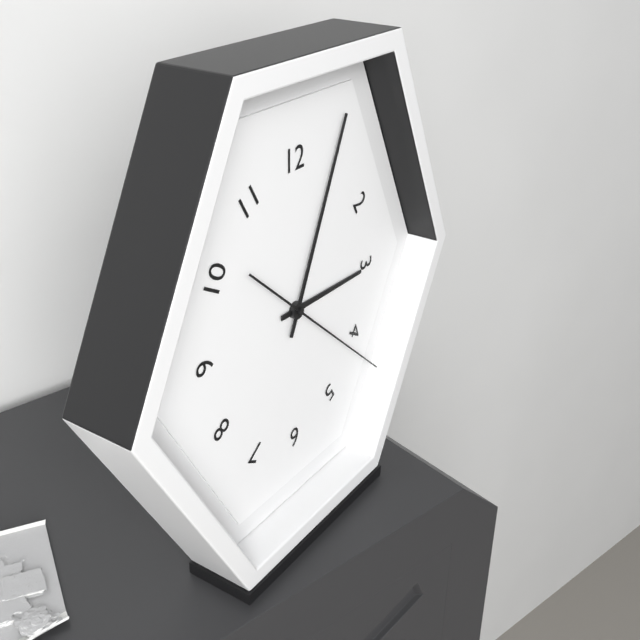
3,04,22
